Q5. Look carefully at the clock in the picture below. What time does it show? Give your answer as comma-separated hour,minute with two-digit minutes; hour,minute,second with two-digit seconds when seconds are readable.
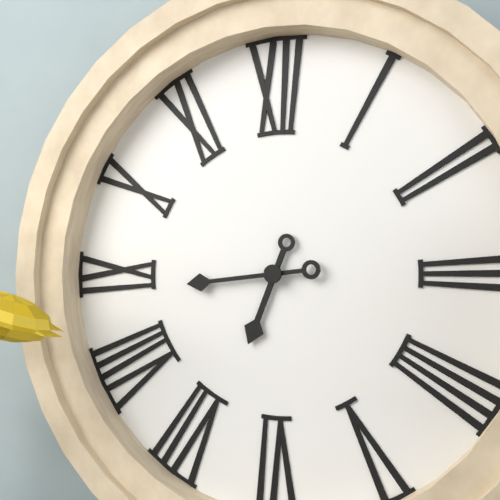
6,44
